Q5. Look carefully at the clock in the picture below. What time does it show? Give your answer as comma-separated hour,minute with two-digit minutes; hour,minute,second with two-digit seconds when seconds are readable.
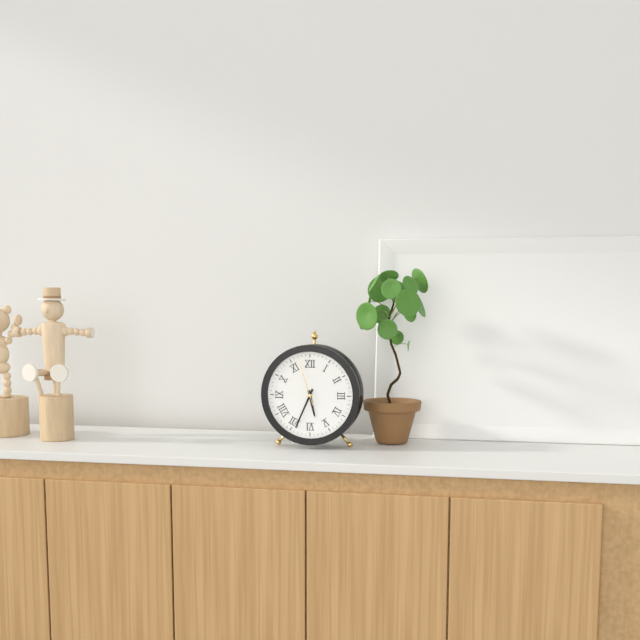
5,34
